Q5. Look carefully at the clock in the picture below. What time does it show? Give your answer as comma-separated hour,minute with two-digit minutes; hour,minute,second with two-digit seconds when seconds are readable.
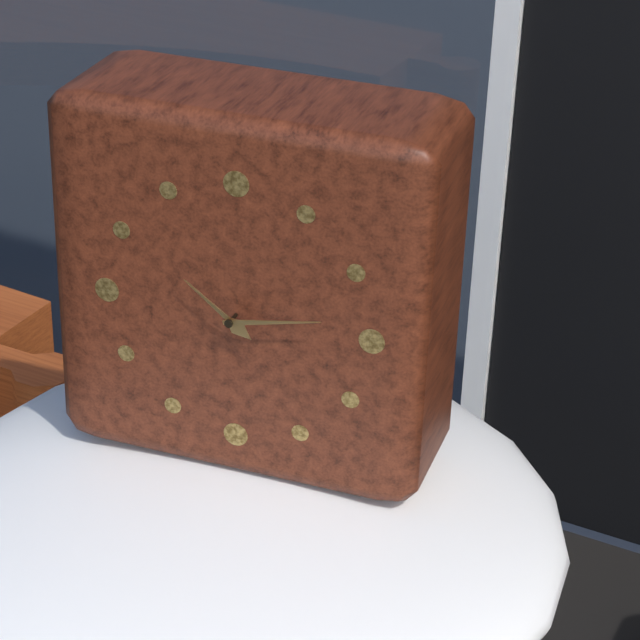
10,13
